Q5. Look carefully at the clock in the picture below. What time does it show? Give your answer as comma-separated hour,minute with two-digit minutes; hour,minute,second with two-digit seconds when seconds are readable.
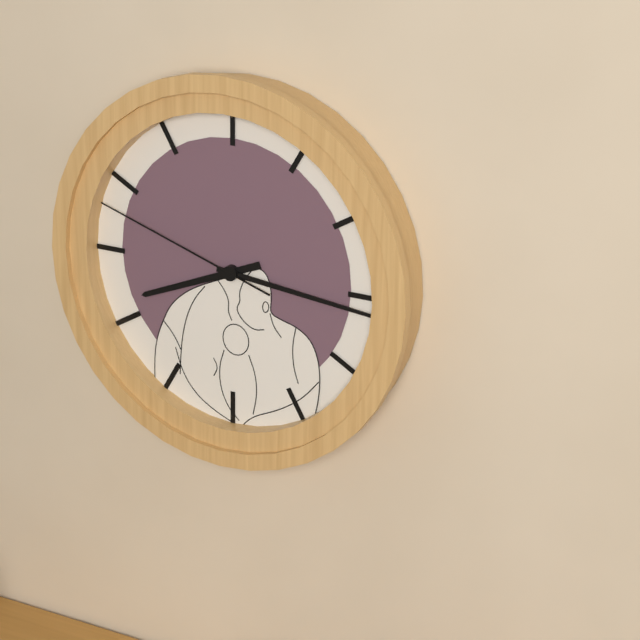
8,16,48
